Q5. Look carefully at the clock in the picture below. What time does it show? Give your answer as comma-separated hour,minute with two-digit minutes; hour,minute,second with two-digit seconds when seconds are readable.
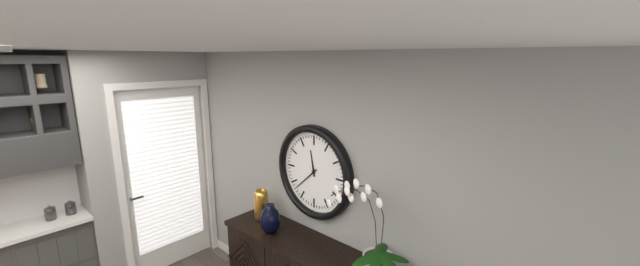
11,38
